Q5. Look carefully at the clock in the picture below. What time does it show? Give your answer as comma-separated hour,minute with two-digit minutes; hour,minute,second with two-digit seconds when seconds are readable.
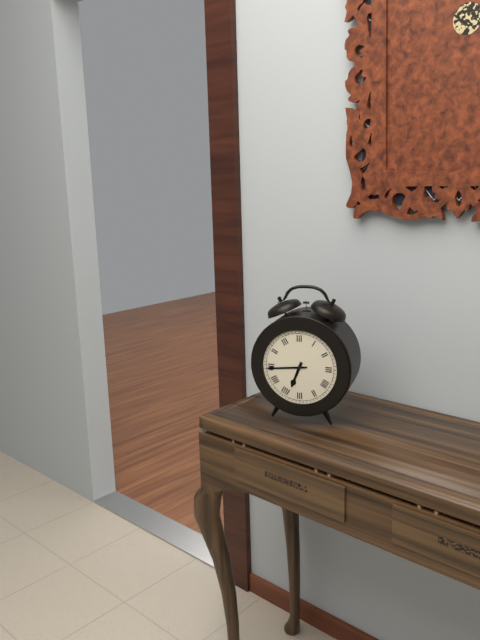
6,44
